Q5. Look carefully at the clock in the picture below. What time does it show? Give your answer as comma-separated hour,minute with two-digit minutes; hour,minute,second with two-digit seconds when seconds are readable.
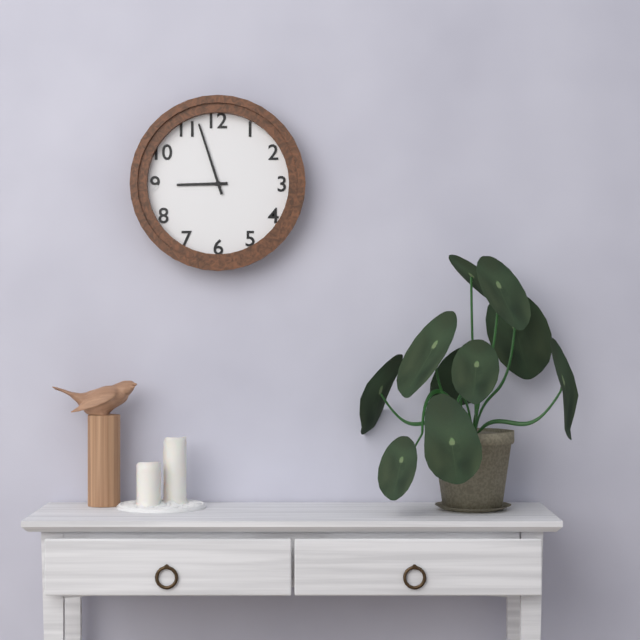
8,57
